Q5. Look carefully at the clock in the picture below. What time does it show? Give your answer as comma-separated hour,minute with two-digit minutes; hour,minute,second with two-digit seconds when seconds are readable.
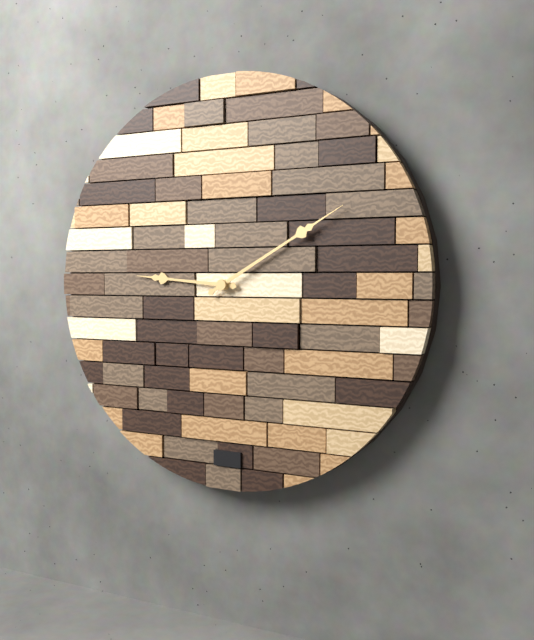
9,10
